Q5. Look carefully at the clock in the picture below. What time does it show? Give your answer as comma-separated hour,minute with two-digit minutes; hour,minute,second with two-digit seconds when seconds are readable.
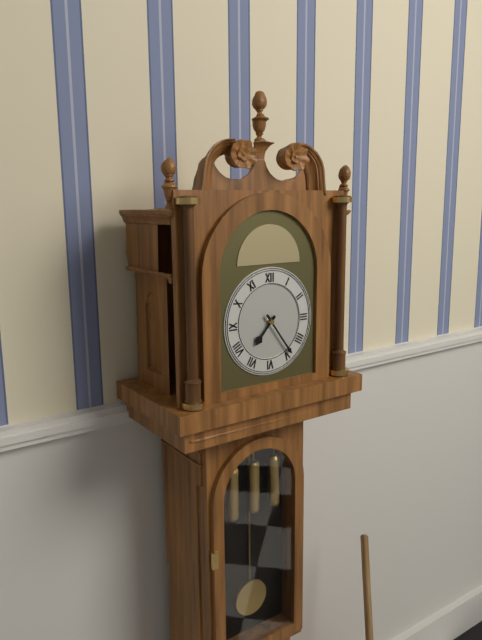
7,24
